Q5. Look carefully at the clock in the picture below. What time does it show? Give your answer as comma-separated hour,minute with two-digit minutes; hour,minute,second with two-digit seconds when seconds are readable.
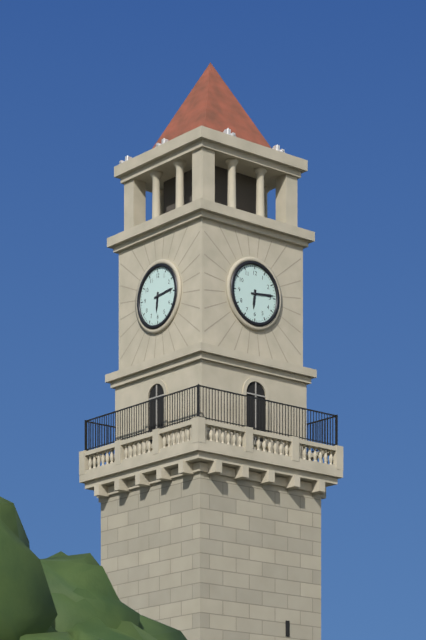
6,14
